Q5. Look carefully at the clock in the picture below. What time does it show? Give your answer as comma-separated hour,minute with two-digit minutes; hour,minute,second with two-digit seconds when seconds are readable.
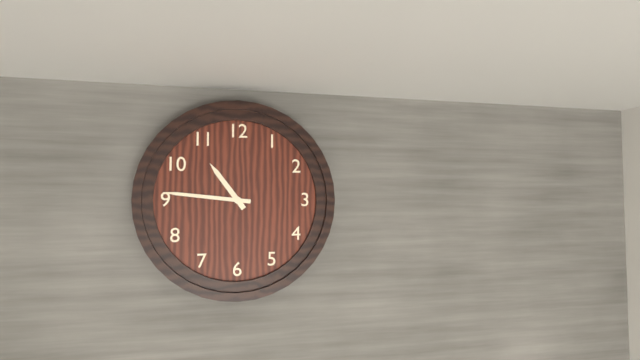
10,46
